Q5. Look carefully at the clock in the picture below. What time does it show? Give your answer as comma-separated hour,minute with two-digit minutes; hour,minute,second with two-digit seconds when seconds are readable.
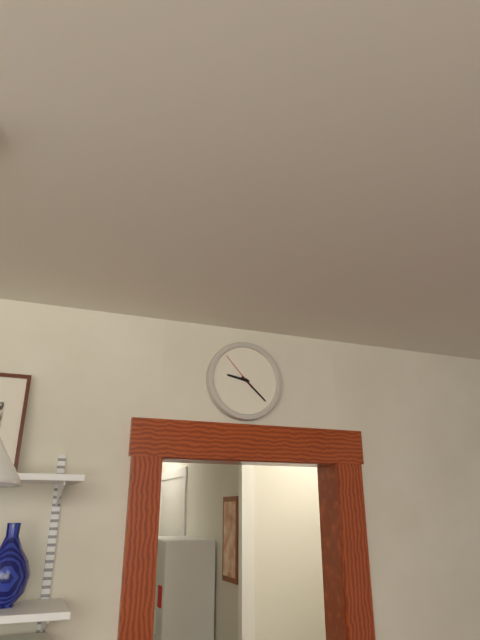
9,22
